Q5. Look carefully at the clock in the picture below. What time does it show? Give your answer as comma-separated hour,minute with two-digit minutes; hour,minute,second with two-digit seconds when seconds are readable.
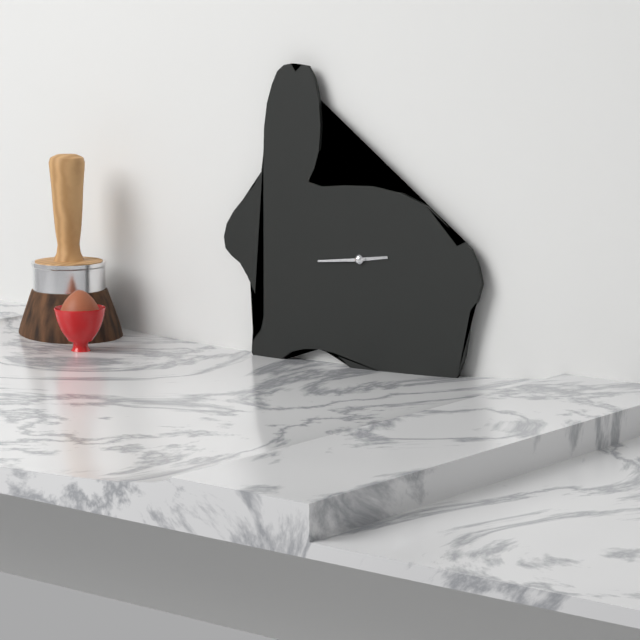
2,44
